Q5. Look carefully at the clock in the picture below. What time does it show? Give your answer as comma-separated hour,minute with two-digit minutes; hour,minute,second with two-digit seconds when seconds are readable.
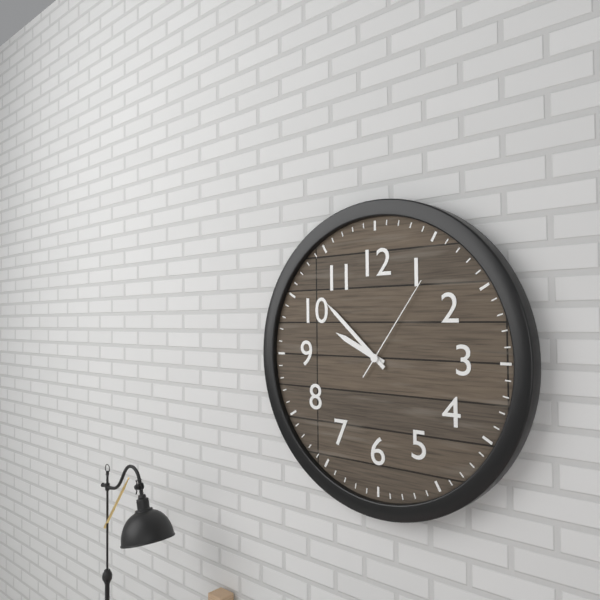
9,52,06
